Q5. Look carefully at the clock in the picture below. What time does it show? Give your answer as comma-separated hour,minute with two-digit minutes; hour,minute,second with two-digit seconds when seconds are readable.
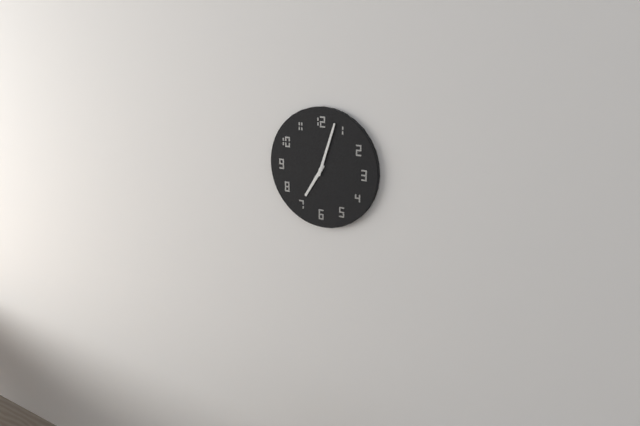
7,03
